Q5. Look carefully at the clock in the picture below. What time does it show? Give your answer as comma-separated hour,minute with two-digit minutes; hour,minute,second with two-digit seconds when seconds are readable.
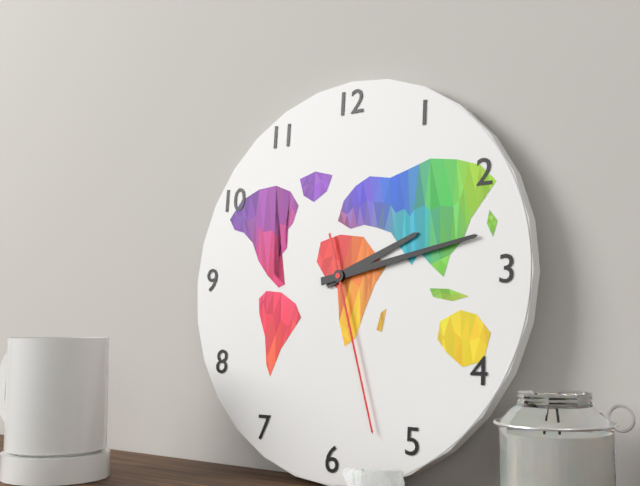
2,13,27
